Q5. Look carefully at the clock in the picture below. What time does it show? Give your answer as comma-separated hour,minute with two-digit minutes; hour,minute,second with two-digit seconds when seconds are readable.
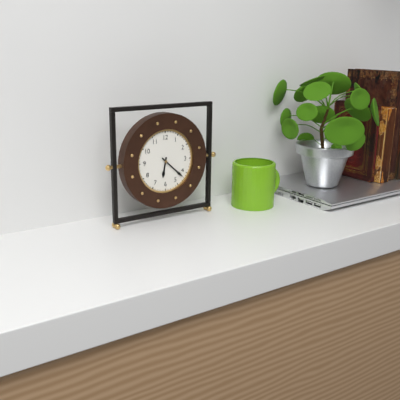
6,22
